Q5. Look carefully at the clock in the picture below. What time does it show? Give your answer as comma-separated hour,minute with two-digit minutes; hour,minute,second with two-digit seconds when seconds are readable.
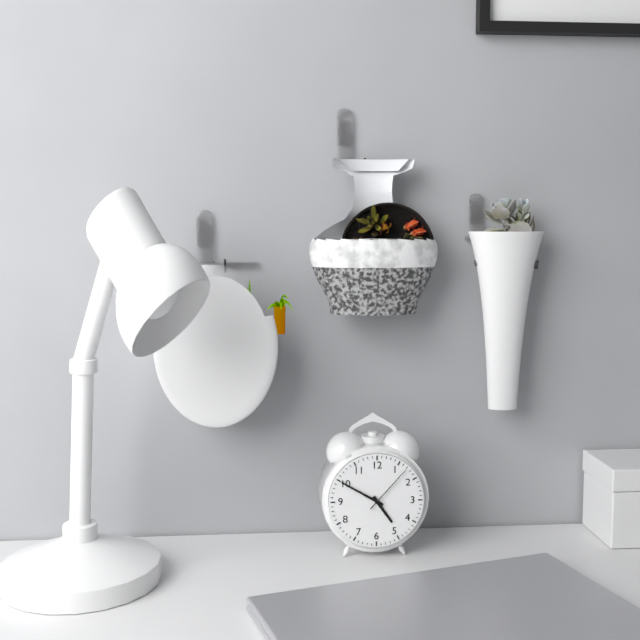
4,50,07
